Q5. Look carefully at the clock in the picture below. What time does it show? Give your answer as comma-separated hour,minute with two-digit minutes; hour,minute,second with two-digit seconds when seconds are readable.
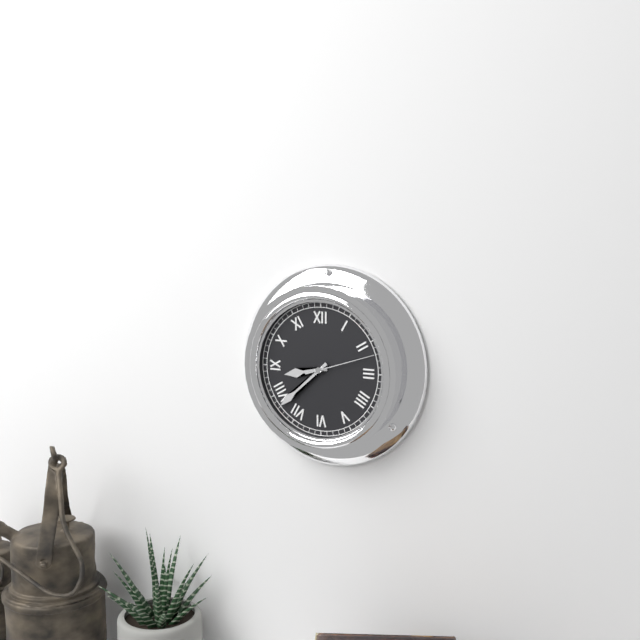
8,38,12
